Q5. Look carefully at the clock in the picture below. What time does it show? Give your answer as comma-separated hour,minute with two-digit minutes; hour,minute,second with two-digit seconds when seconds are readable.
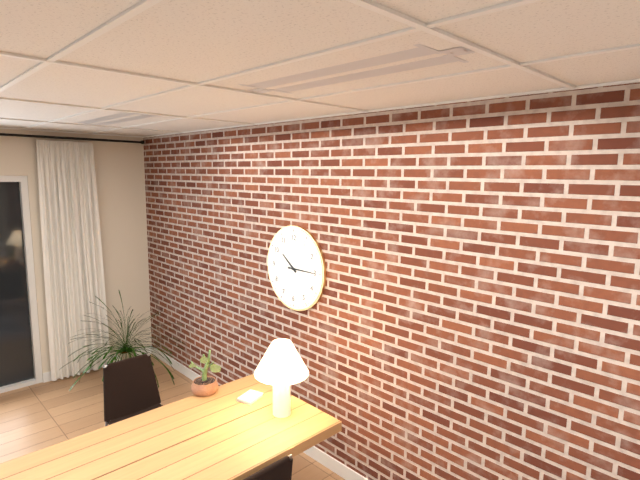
10,15
